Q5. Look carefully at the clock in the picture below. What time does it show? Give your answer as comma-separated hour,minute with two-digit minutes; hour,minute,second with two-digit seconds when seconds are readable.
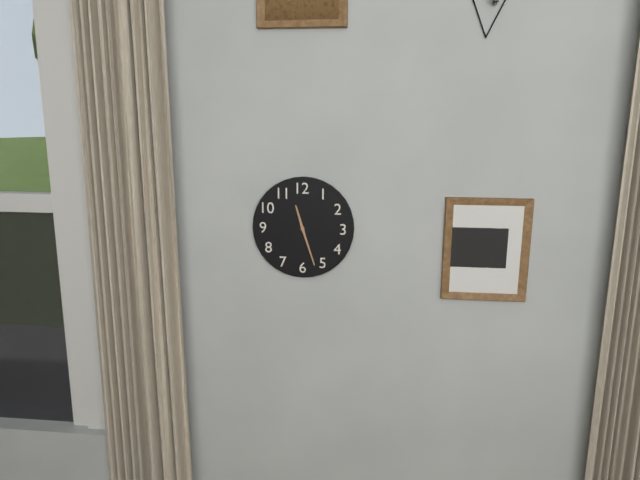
11,27
